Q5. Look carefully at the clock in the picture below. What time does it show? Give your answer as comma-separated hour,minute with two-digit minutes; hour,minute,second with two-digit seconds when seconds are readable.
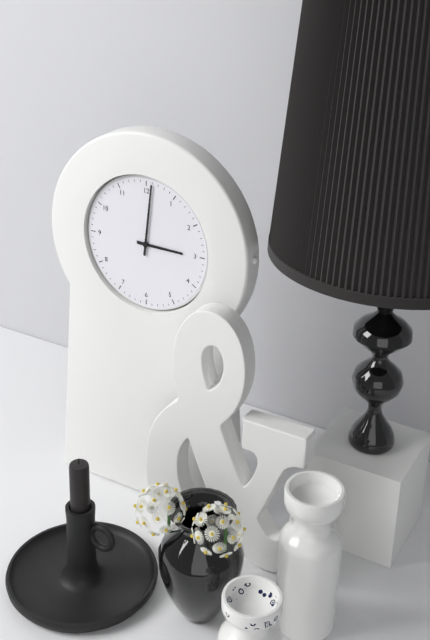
3,01
